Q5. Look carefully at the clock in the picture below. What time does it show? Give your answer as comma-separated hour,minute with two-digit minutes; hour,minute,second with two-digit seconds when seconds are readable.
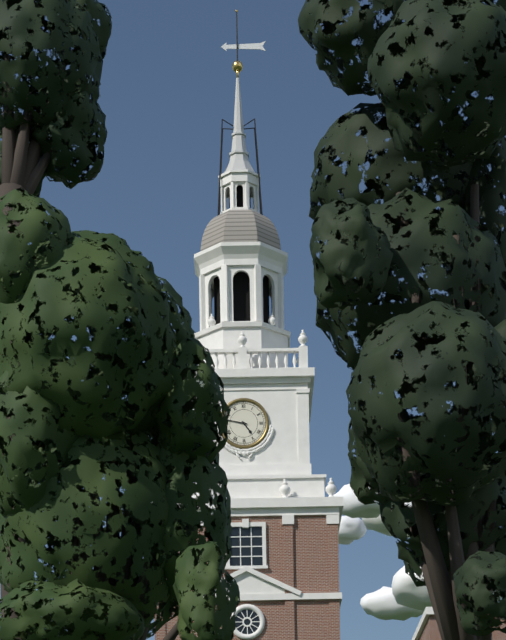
4,47
